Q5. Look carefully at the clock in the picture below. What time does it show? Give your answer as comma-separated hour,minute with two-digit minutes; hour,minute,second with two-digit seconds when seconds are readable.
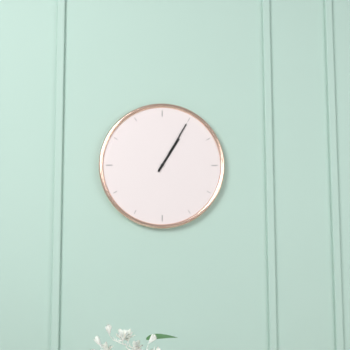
1,05
